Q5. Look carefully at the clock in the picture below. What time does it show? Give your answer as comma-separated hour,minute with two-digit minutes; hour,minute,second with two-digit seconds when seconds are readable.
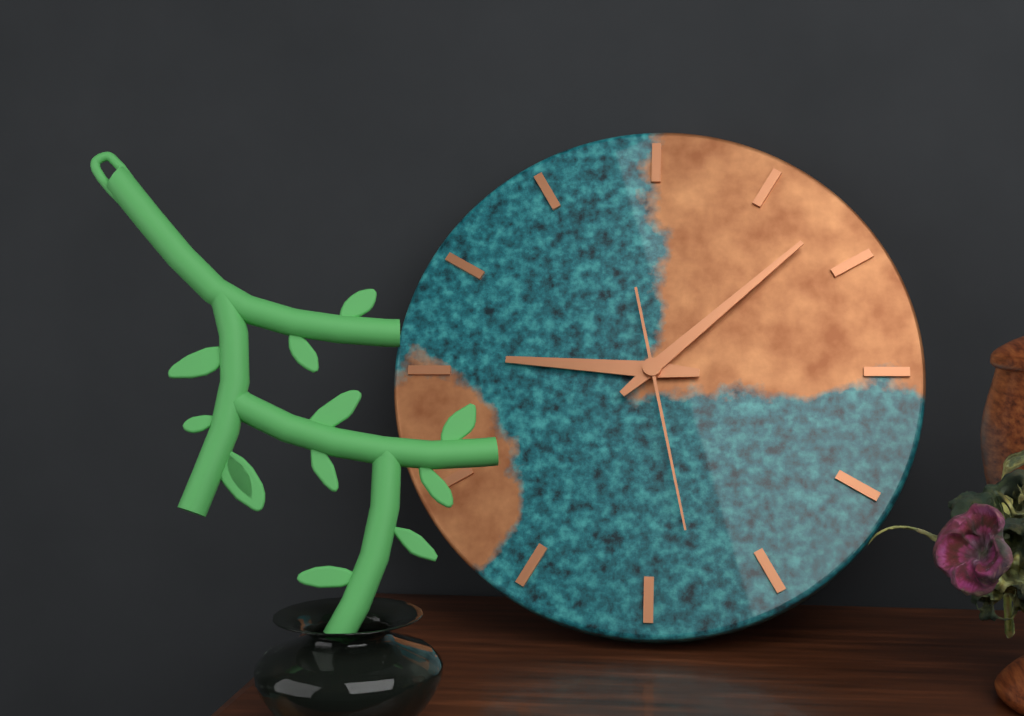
9,08,28
